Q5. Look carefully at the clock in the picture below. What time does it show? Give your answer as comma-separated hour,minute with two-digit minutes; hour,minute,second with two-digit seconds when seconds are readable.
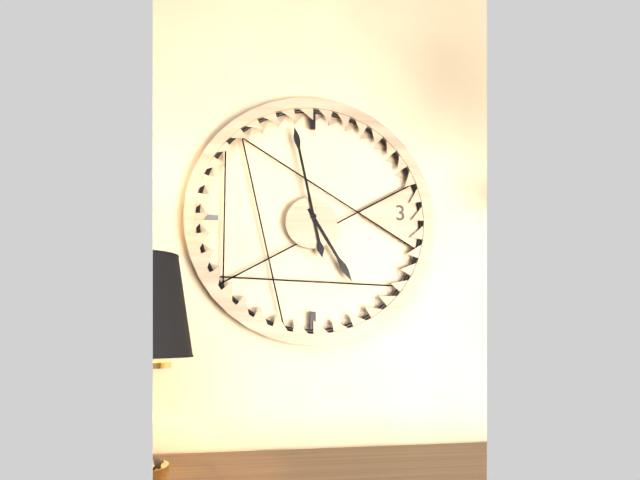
4,58
